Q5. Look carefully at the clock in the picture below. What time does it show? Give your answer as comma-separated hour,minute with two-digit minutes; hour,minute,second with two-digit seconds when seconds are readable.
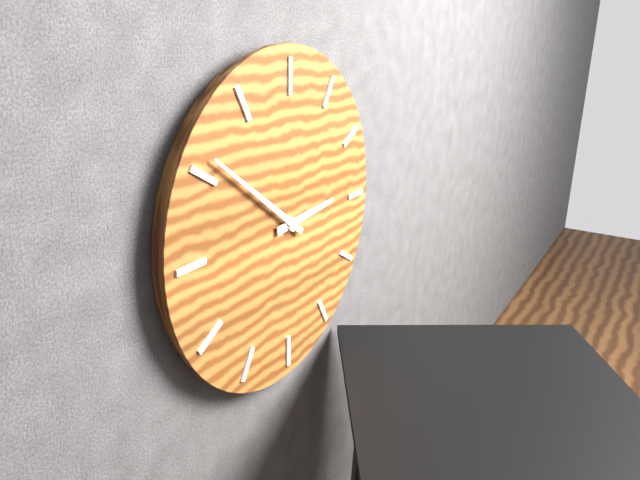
2,51
